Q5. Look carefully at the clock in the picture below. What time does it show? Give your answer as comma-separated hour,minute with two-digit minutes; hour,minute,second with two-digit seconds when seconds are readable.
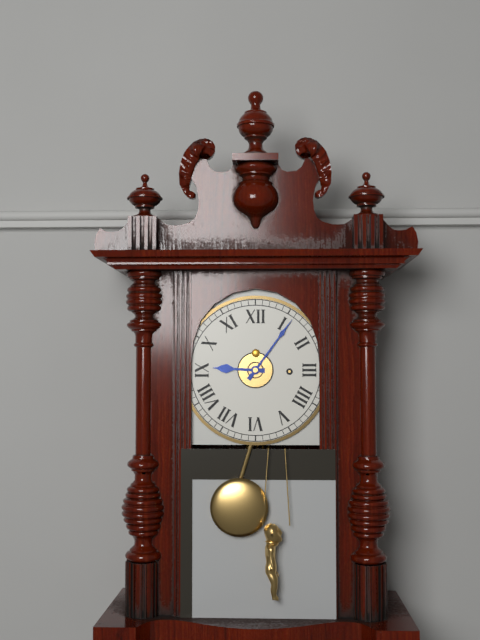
9,06
